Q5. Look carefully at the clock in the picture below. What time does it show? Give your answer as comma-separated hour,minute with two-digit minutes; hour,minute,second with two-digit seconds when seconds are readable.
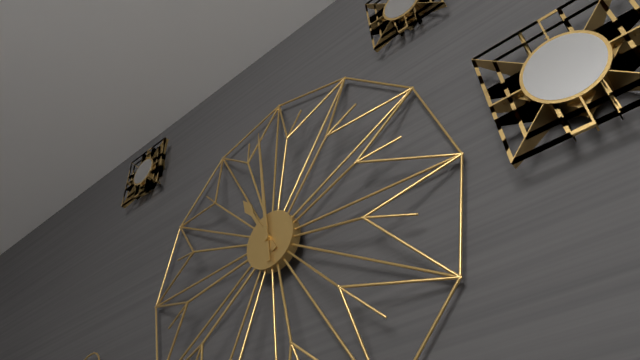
10,59
